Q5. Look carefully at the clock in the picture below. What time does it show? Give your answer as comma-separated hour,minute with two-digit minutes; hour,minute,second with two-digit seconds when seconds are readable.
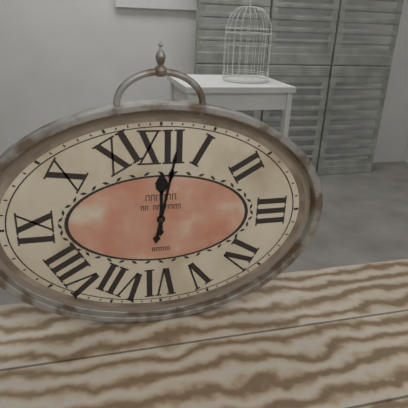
12,02
